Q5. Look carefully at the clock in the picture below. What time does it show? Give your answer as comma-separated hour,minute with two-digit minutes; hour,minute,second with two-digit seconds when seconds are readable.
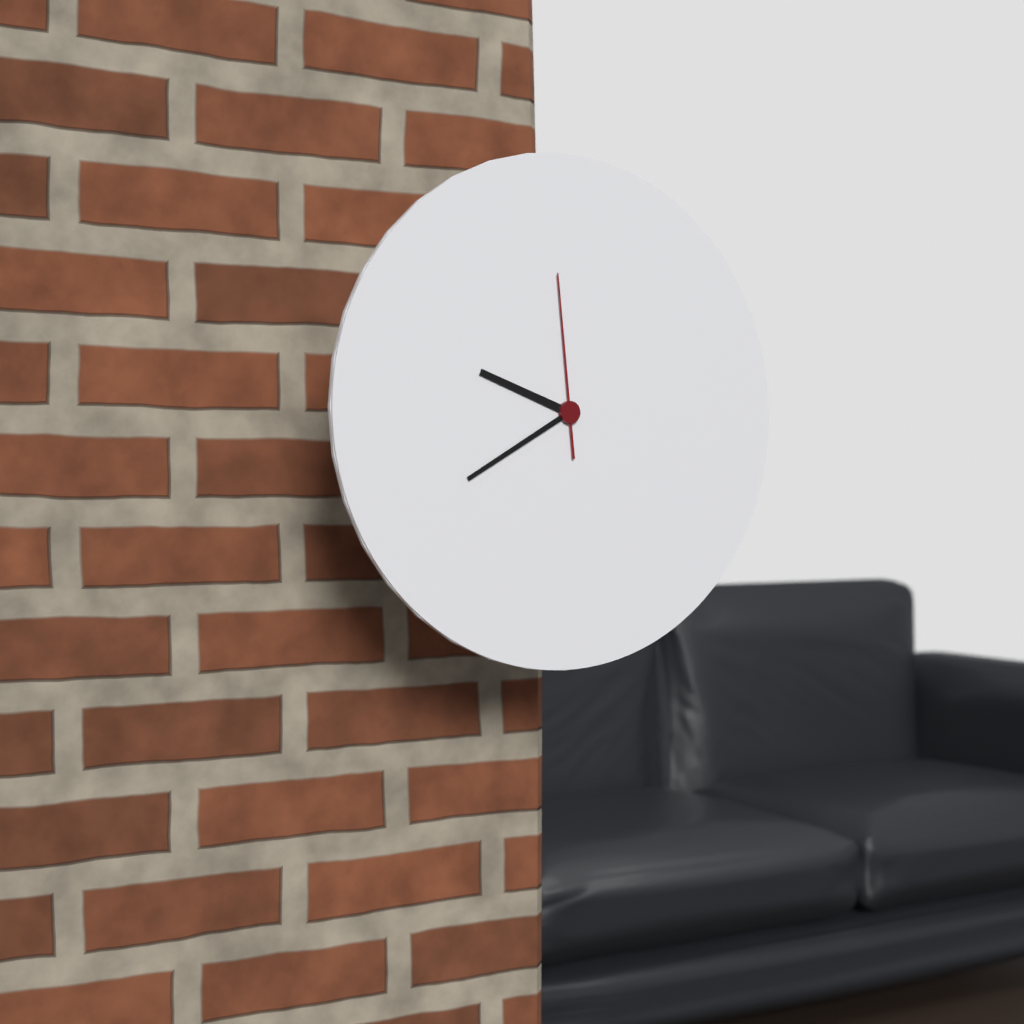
9,40,59
